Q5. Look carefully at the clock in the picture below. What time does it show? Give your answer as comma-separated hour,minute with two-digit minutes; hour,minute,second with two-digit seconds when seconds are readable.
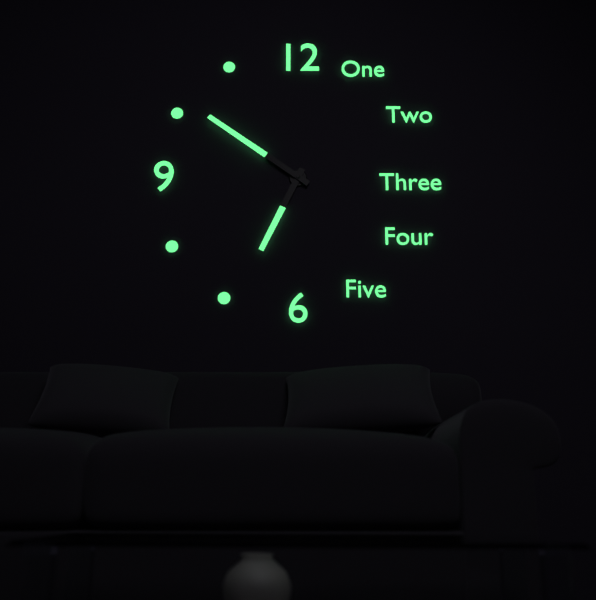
6,51
